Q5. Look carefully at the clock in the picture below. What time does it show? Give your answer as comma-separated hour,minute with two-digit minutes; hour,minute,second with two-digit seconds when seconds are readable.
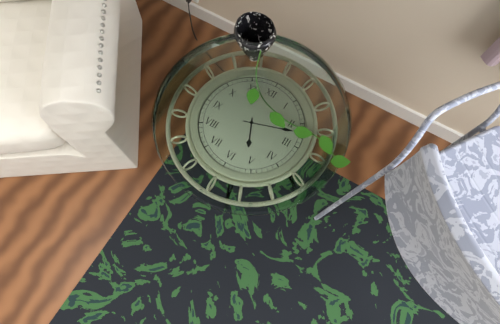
5,12
